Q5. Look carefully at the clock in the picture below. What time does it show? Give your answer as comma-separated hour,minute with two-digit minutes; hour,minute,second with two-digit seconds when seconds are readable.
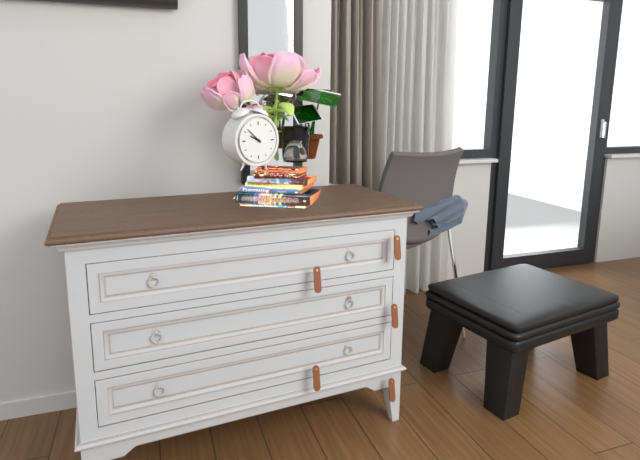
9,52
